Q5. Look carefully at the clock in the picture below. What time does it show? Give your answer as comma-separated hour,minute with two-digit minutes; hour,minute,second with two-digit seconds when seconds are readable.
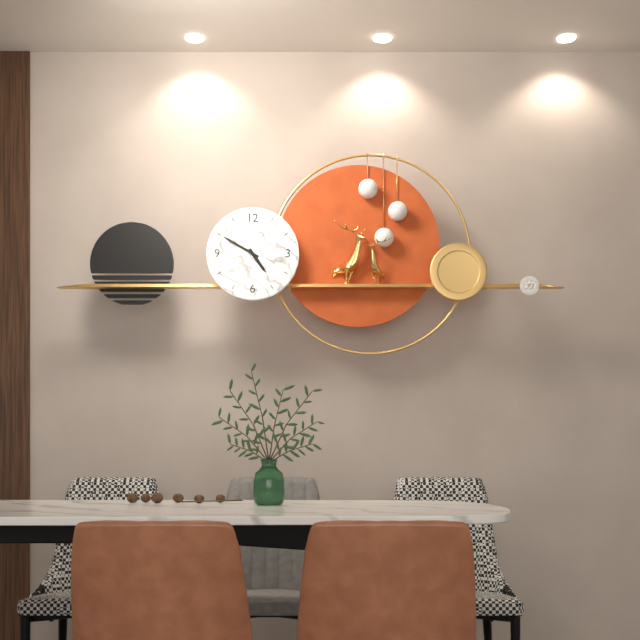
4,50
